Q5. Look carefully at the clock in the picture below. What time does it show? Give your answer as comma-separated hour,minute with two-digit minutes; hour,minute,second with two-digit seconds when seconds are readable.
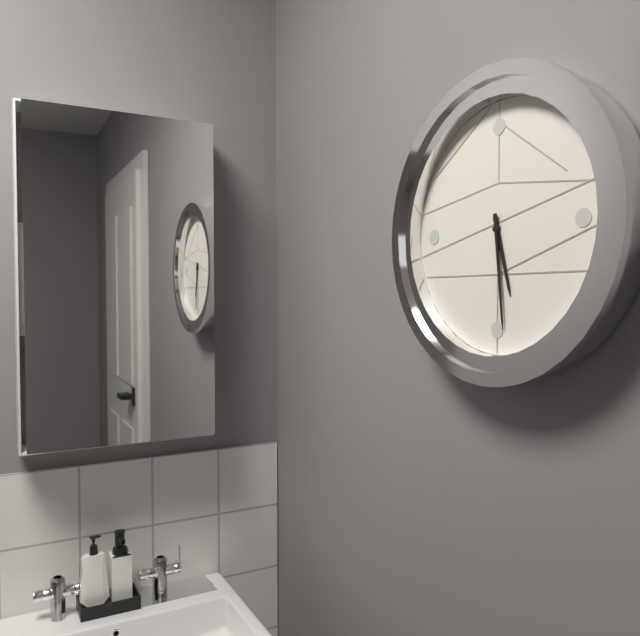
5,29
